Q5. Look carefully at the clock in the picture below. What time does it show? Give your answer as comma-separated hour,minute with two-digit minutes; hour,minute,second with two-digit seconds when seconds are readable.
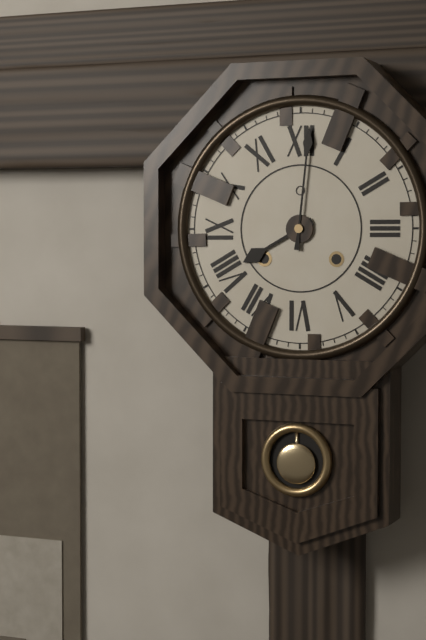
8,01
